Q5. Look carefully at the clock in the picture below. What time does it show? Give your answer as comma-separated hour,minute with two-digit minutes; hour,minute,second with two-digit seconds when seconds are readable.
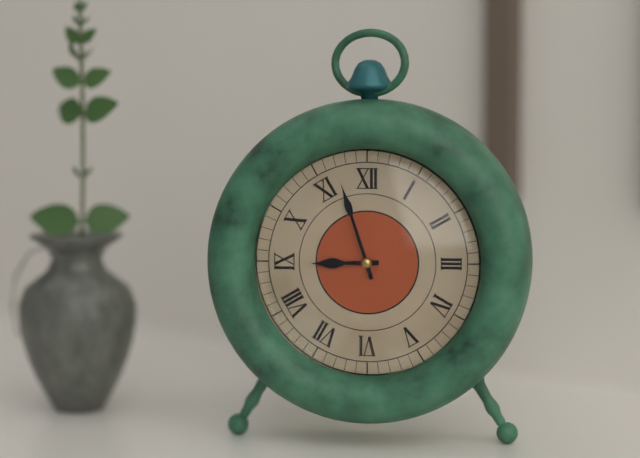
8,57
